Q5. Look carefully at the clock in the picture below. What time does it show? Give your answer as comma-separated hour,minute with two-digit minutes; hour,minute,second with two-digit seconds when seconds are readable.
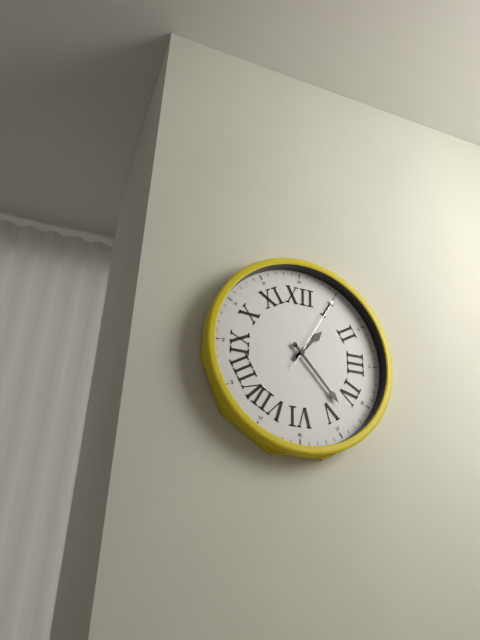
1,23,05
